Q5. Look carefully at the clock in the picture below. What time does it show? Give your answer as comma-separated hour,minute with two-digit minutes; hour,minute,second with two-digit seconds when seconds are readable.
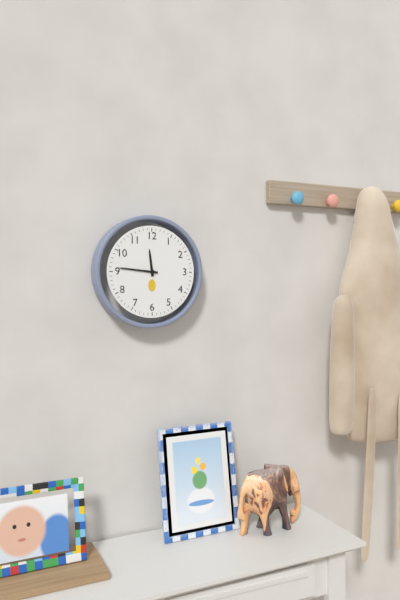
11,46
